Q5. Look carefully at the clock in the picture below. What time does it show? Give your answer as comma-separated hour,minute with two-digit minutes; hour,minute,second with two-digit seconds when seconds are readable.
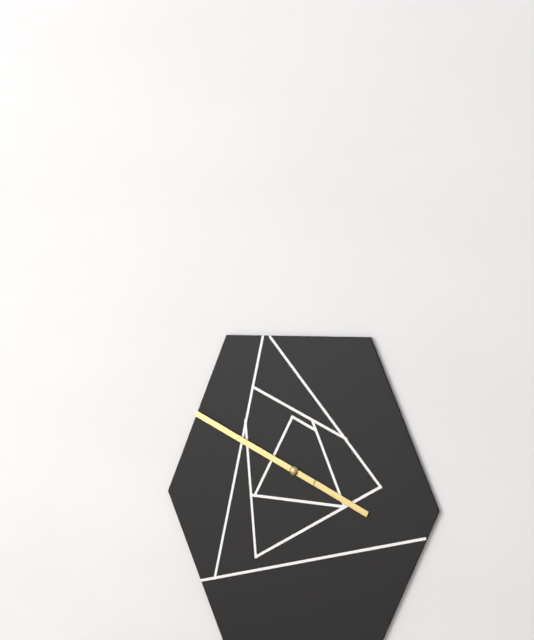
3,49
